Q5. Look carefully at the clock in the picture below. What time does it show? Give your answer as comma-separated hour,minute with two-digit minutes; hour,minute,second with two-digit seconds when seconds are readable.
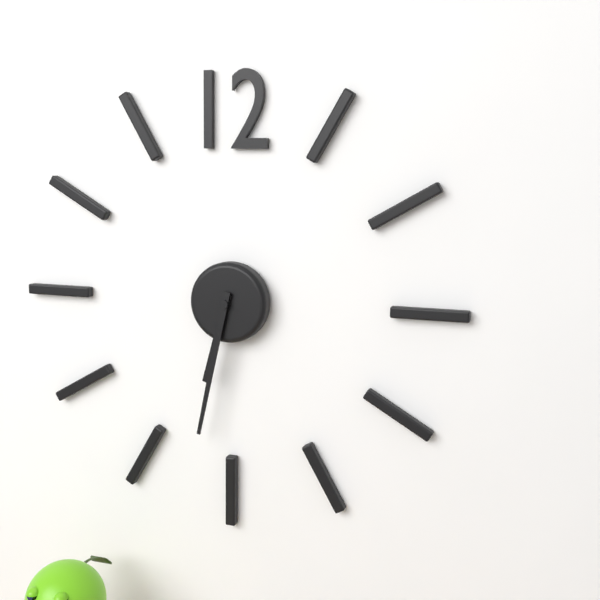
6,32
